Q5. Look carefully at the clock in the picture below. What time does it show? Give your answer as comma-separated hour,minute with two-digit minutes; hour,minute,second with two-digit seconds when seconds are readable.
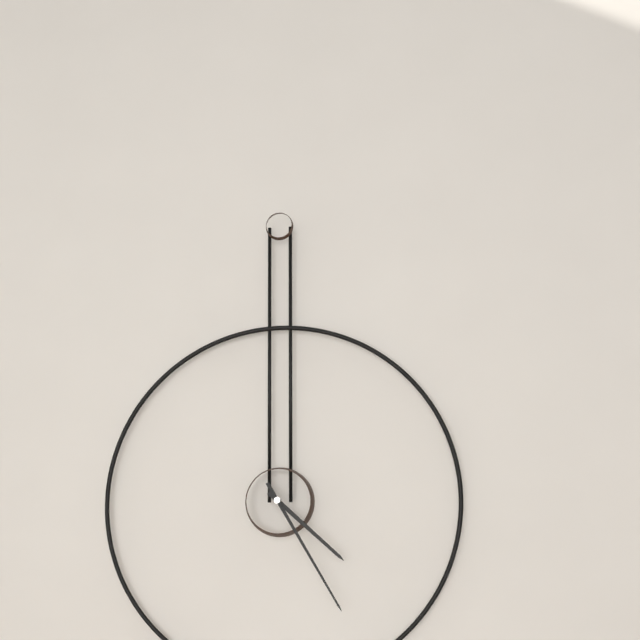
4,25
